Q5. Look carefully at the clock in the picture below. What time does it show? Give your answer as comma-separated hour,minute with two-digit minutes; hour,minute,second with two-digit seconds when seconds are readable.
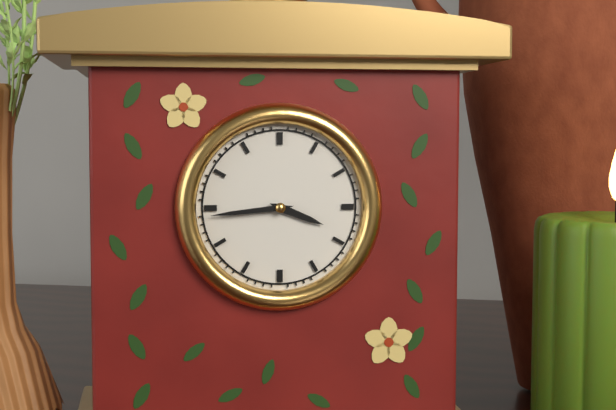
3,44
